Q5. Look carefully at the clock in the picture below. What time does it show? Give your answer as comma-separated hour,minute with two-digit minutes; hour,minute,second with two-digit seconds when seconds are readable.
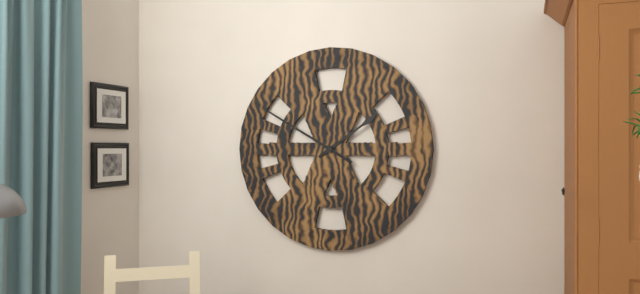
1,50
